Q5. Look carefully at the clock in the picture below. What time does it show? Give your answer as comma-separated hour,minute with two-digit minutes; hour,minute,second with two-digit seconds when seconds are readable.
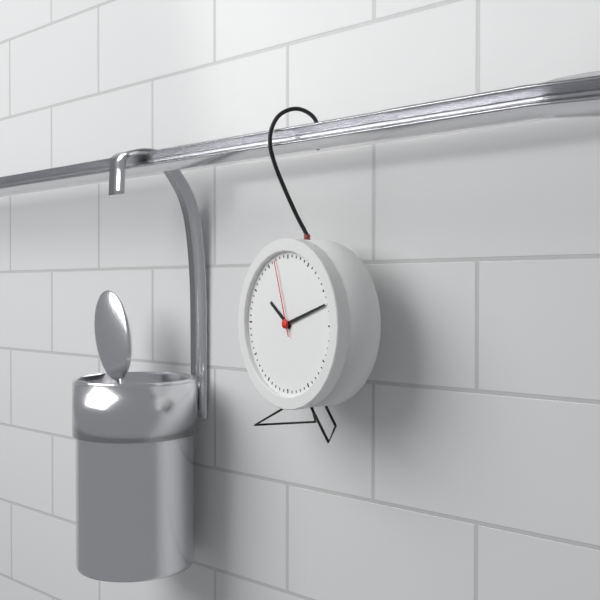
10,12,57
